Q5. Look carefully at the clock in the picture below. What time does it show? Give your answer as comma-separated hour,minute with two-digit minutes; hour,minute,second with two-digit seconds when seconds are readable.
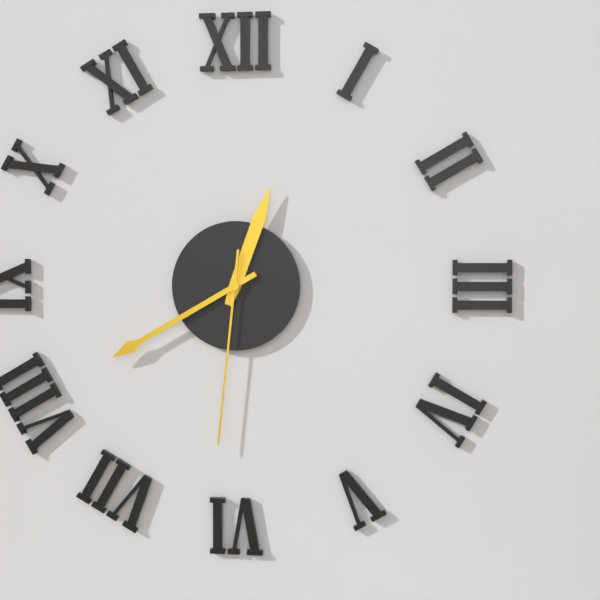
12,40,31
